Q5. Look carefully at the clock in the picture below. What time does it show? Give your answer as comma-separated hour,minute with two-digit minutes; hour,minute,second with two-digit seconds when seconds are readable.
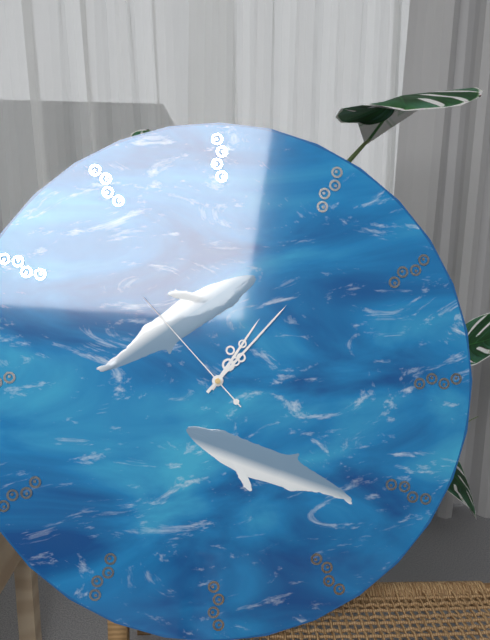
1,07,53
